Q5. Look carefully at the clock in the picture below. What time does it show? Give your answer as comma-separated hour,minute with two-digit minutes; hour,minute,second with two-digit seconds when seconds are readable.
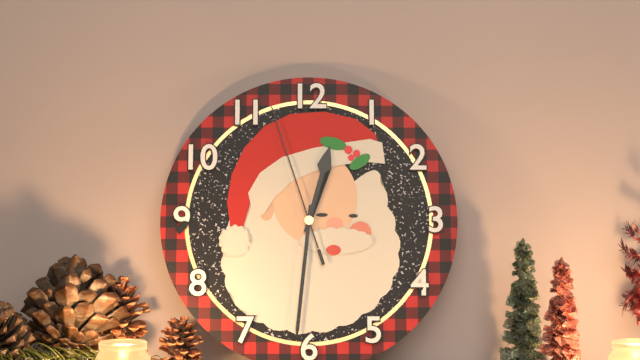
12,31,57
